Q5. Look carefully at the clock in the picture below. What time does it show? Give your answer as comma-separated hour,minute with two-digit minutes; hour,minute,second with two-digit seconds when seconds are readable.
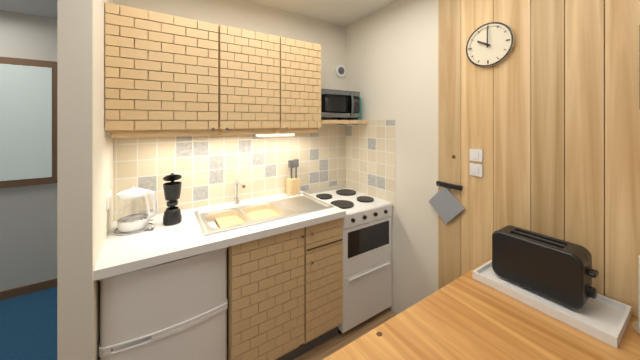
10,00
